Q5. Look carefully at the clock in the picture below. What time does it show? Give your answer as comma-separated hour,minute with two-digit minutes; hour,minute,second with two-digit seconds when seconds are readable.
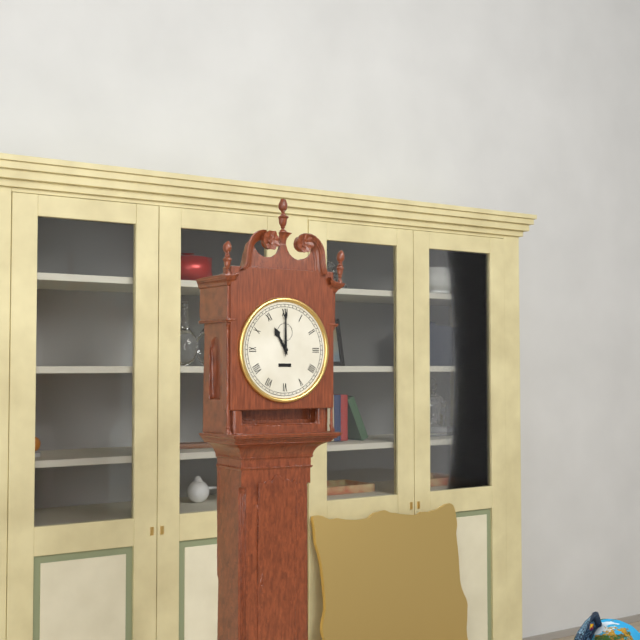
11,00
